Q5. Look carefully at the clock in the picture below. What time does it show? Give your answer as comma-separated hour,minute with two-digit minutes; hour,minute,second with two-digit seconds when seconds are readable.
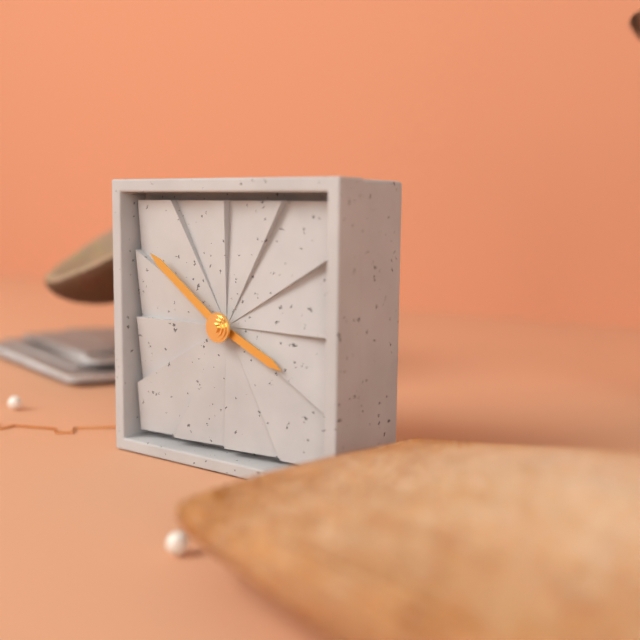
3,51
